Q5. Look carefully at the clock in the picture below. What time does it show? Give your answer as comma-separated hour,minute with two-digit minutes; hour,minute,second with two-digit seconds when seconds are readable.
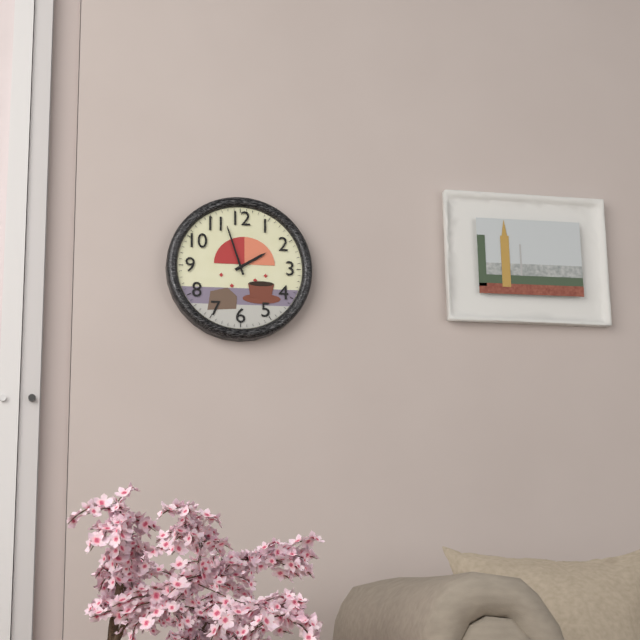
1,57
